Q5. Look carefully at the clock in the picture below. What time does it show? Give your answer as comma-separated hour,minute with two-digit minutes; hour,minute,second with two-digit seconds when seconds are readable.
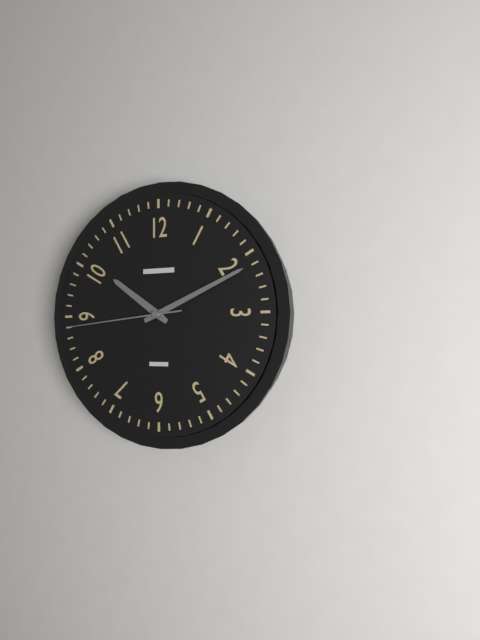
10,11,44
